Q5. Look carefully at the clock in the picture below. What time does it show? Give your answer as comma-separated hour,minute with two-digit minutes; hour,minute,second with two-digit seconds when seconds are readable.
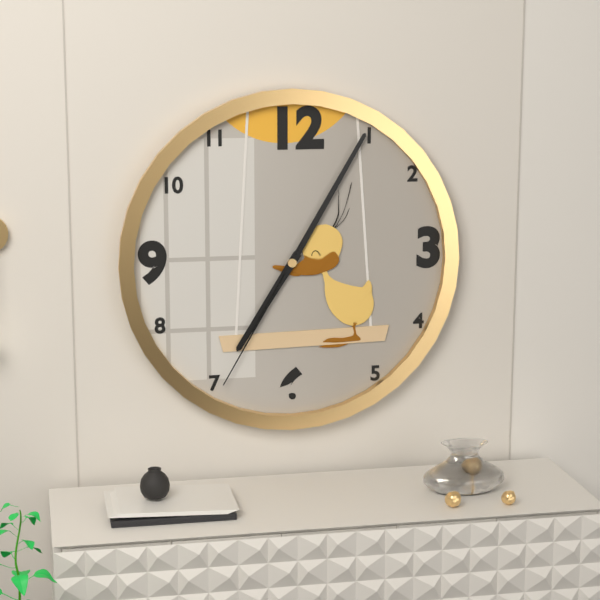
7,05,35
